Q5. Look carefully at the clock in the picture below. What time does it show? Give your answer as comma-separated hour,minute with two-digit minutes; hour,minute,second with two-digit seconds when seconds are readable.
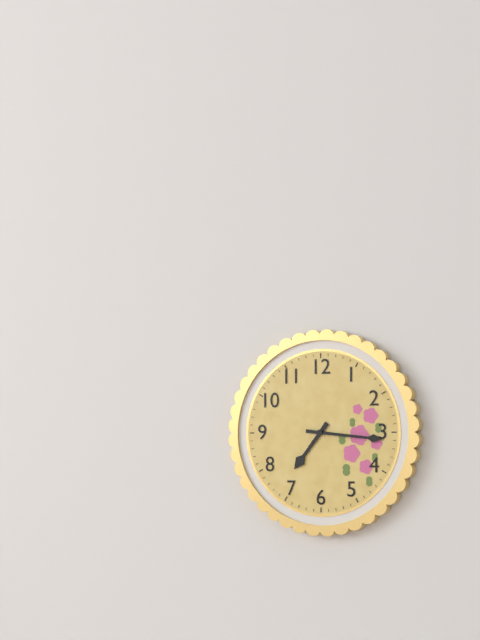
7,16
